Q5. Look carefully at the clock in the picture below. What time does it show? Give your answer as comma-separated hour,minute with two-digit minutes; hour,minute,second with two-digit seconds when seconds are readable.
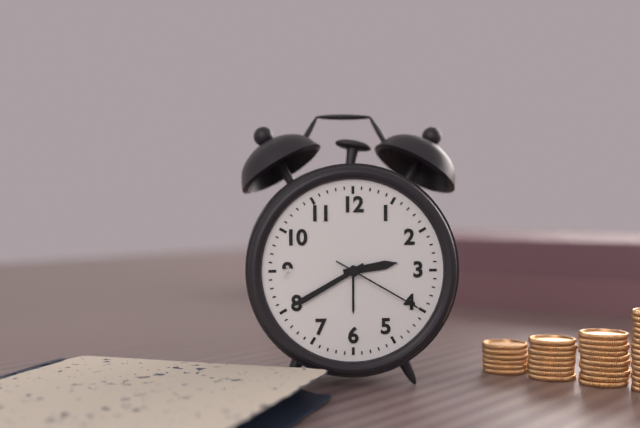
2,40,20
